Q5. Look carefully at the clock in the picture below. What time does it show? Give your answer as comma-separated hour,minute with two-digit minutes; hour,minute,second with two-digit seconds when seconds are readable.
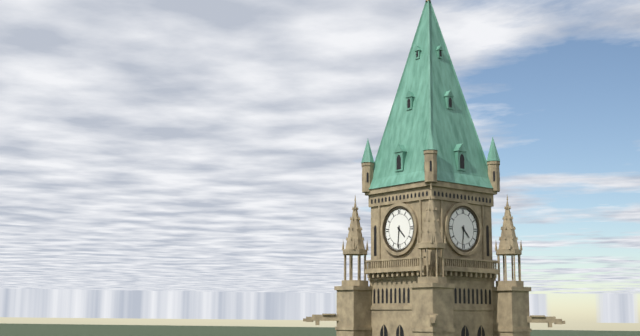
4,31
